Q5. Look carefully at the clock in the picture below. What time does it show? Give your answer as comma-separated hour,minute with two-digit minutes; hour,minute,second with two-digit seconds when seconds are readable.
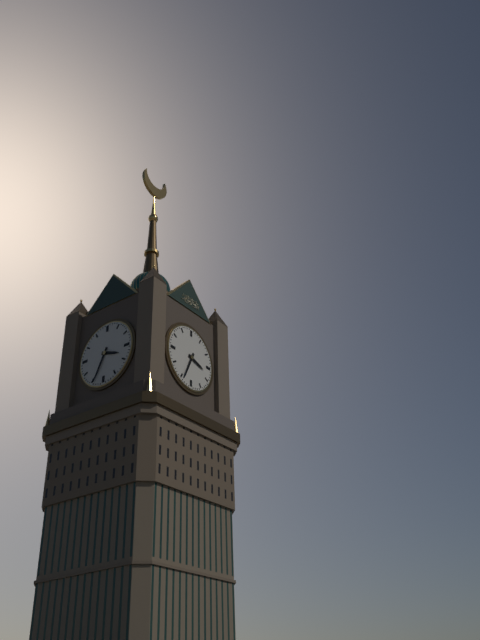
3,34
